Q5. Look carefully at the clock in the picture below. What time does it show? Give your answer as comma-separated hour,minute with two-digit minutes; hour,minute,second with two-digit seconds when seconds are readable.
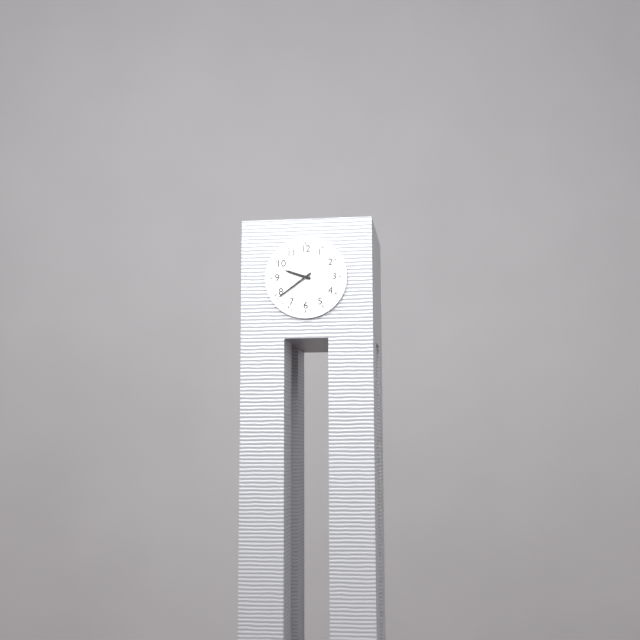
9,39
